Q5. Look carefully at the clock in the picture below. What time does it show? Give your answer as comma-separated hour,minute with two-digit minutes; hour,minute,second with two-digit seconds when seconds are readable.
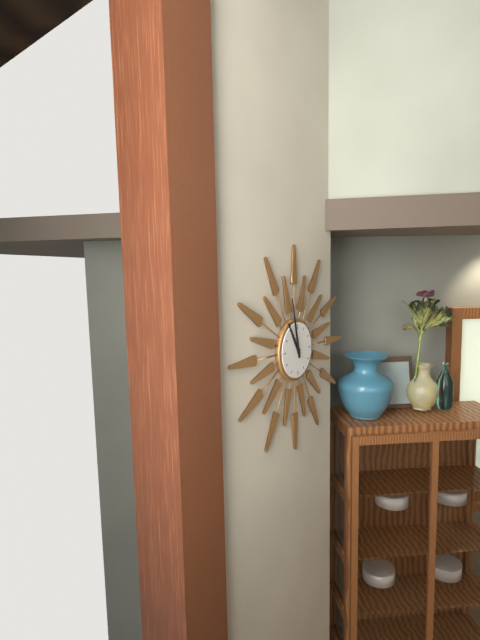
10,58
